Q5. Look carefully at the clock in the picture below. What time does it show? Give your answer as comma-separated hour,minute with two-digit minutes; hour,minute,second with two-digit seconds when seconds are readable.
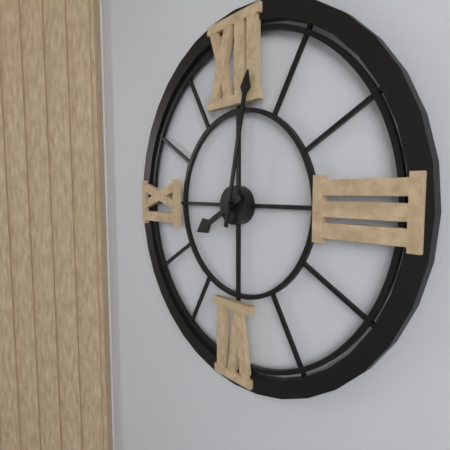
8,02
